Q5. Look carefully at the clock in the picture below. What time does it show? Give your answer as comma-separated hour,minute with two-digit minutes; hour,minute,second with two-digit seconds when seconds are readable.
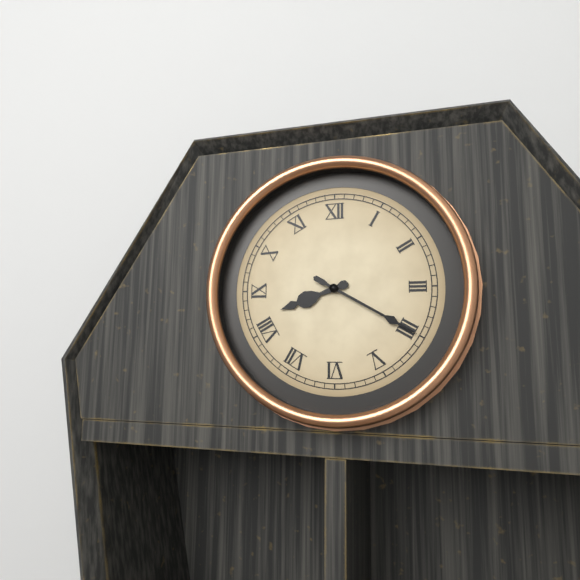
8,20
